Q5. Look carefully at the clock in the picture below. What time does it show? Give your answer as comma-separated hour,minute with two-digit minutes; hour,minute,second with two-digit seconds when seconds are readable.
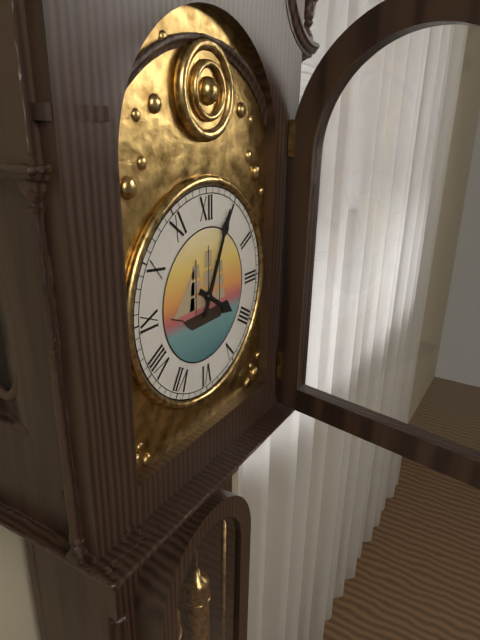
4,04
